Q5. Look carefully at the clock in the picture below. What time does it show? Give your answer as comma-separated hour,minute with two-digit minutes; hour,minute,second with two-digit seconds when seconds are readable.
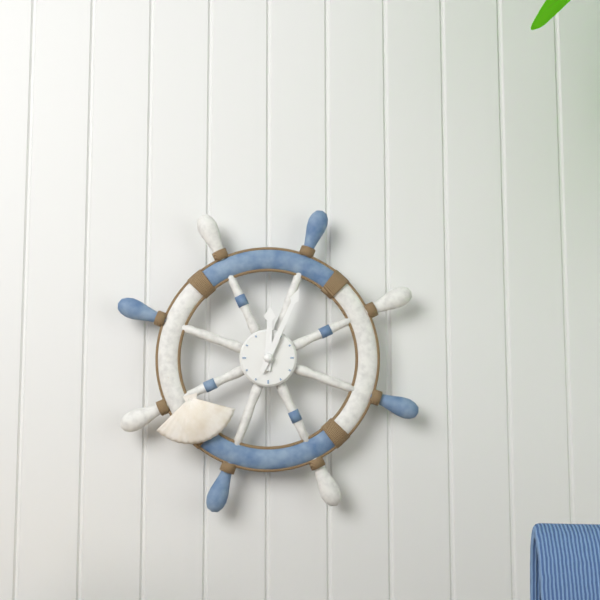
12,04
